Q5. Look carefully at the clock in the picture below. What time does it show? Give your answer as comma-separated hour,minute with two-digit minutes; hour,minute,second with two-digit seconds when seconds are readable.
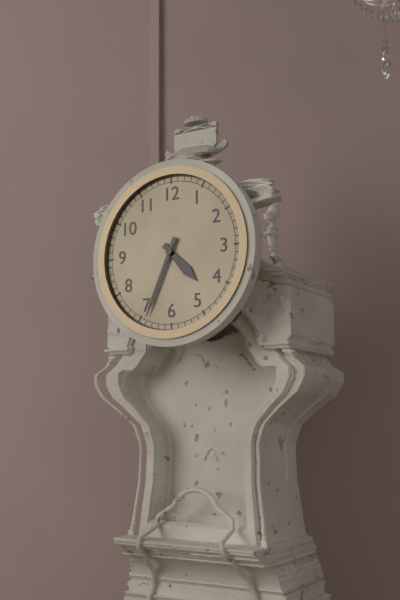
4,34
